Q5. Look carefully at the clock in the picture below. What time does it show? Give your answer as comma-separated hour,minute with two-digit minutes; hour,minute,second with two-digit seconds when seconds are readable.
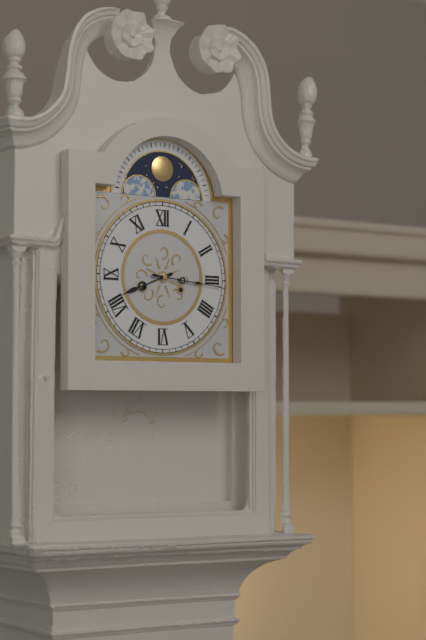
8,16
